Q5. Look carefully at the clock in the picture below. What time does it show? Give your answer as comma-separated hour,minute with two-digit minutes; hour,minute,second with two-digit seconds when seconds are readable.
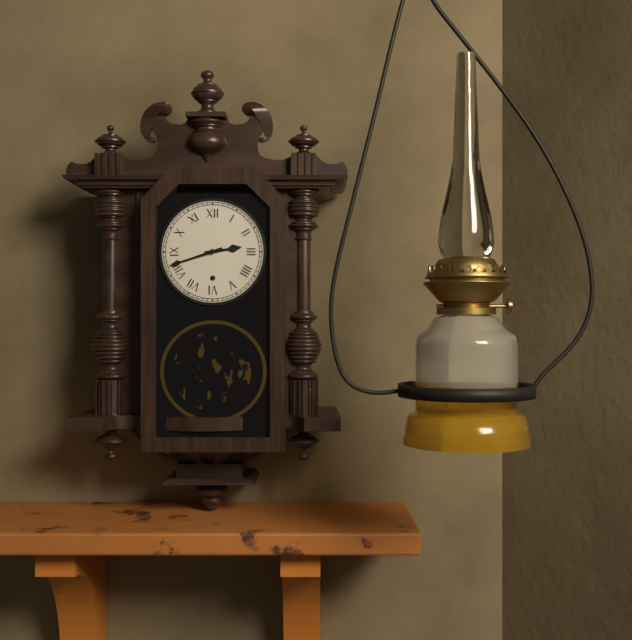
2,42
